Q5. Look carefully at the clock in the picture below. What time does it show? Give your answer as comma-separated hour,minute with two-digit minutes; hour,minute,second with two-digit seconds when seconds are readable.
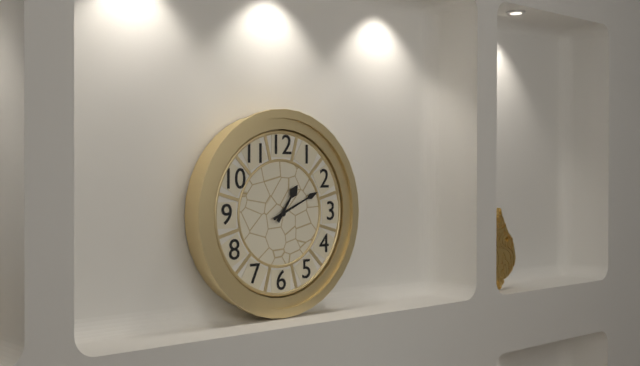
1,11
